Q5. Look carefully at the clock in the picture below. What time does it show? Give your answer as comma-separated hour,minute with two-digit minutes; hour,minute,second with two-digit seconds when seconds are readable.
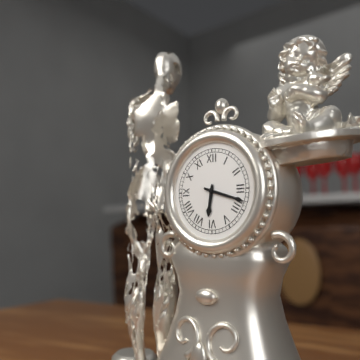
6,18
